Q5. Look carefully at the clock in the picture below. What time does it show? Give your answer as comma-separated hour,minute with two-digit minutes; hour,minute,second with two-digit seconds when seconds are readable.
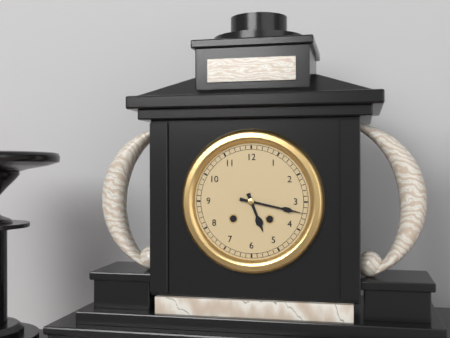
5,17
